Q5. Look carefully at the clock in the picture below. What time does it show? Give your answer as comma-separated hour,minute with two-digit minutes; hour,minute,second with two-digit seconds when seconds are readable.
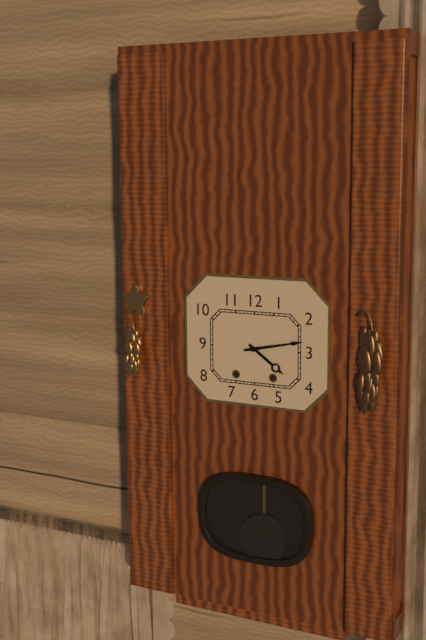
4,13
